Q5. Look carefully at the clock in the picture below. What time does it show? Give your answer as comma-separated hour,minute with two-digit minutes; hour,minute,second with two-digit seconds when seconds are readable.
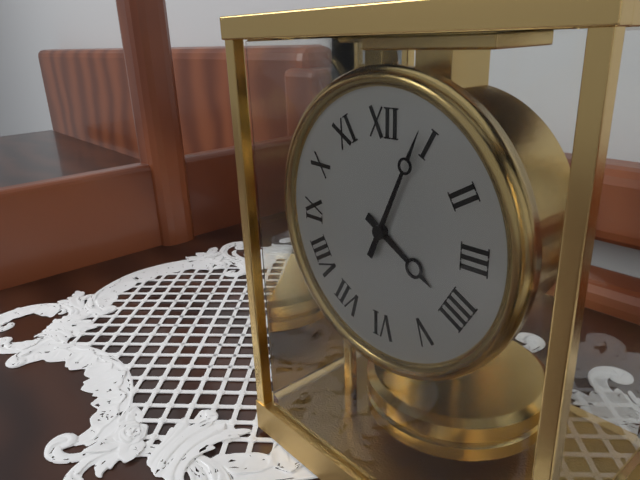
4,04
